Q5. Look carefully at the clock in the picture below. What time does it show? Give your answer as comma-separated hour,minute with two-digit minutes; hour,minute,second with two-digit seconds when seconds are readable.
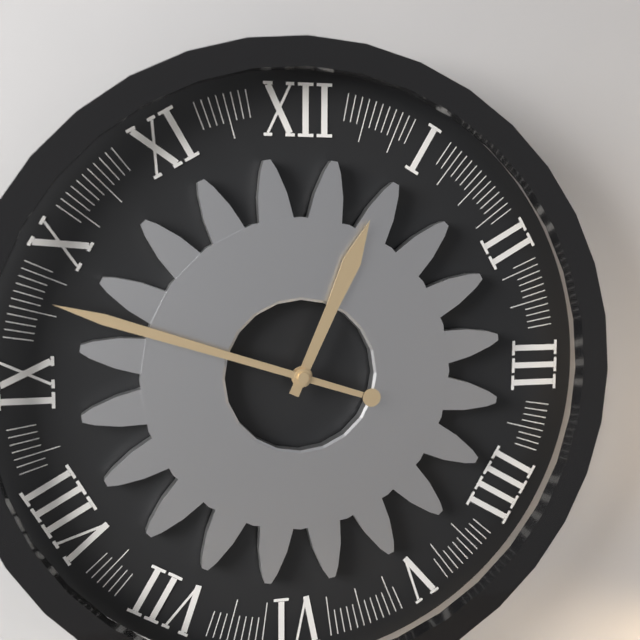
12,48
